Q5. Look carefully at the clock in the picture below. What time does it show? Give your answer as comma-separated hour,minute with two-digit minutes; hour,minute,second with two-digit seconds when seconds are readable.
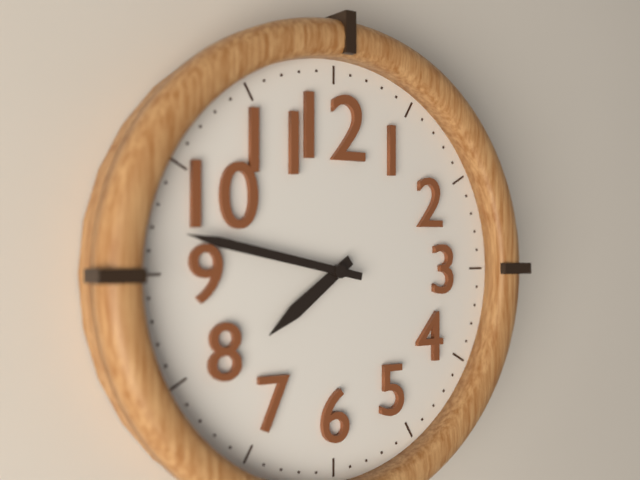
7,47
